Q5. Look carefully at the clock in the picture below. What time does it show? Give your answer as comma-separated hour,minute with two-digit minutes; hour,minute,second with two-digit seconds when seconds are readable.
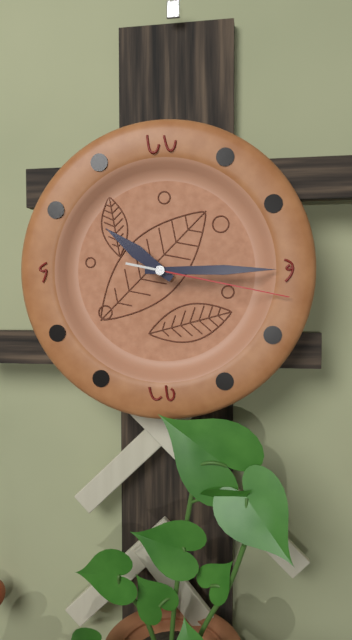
10,15,17
